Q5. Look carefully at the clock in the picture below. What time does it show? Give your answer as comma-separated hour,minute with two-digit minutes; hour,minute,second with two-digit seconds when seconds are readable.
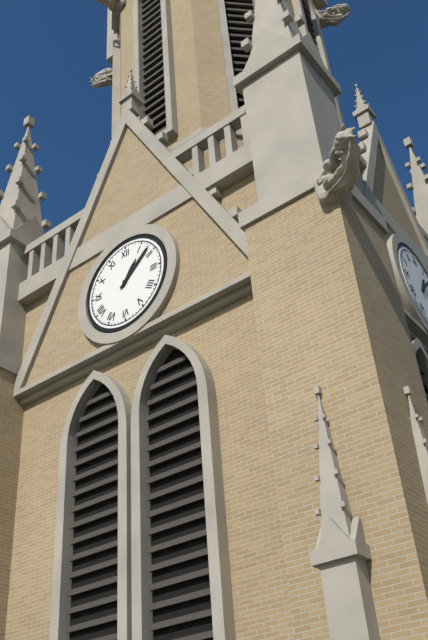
1,08
